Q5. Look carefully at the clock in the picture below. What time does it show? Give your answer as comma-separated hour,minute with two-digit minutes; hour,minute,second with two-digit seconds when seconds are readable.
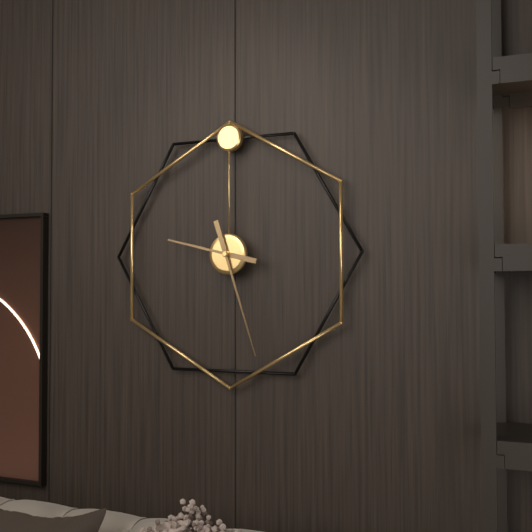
9,27
